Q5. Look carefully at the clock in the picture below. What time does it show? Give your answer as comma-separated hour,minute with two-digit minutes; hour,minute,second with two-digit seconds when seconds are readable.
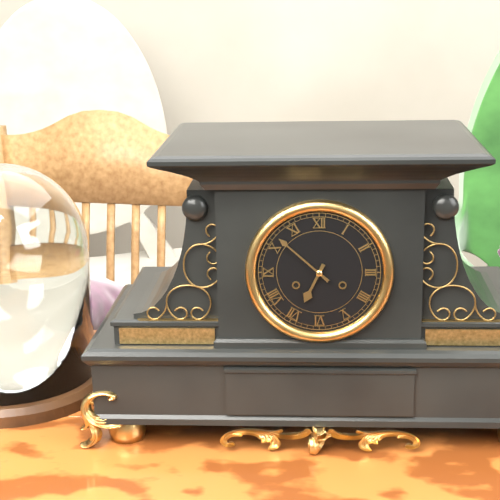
6,52
